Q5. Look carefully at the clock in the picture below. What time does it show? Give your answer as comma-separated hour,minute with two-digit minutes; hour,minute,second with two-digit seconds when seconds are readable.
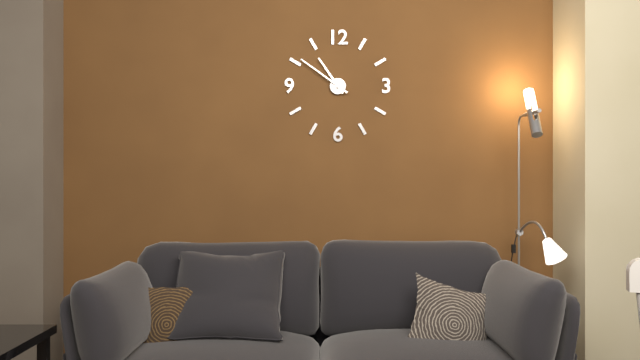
10,51
